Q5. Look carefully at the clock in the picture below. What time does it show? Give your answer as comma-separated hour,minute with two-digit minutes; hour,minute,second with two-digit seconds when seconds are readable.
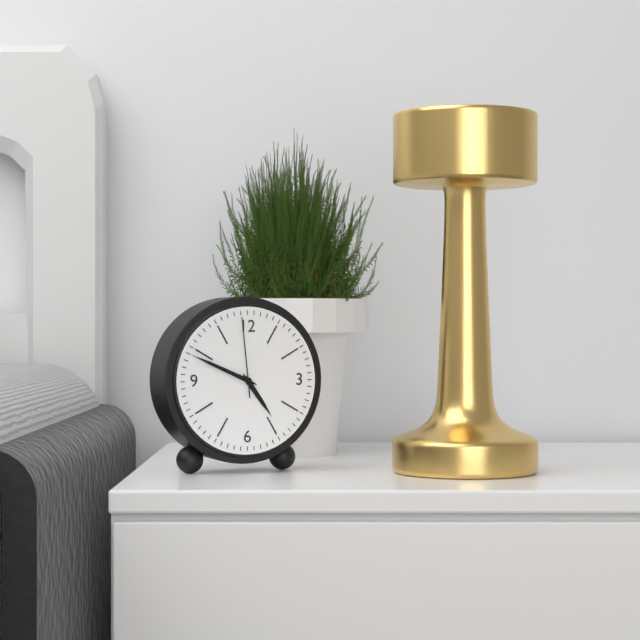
4,49,59
